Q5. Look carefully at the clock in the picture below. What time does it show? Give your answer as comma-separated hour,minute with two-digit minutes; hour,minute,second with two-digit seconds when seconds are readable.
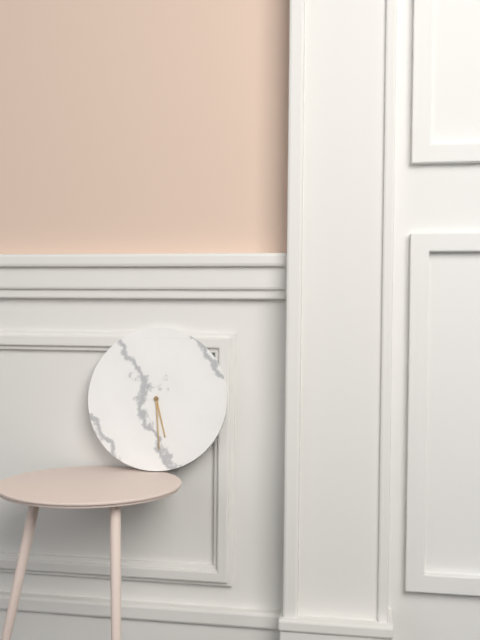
5,29
